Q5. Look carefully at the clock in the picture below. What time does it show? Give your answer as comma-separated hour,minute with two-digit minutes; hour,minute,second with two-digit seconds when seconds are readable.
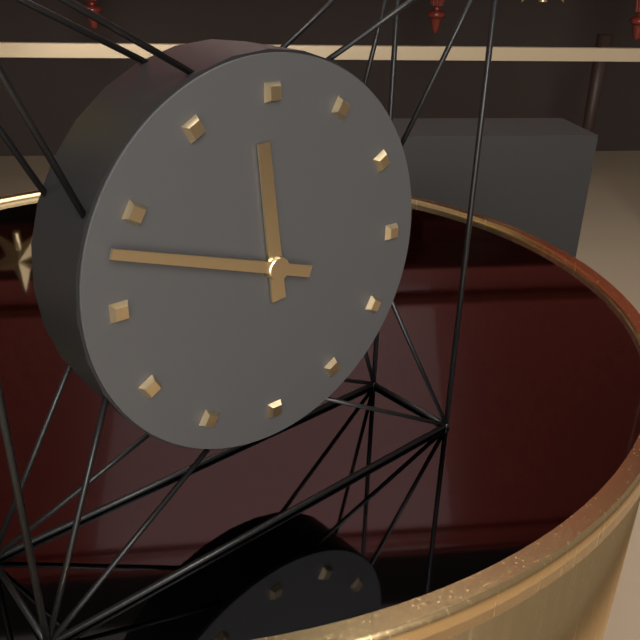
11,48
